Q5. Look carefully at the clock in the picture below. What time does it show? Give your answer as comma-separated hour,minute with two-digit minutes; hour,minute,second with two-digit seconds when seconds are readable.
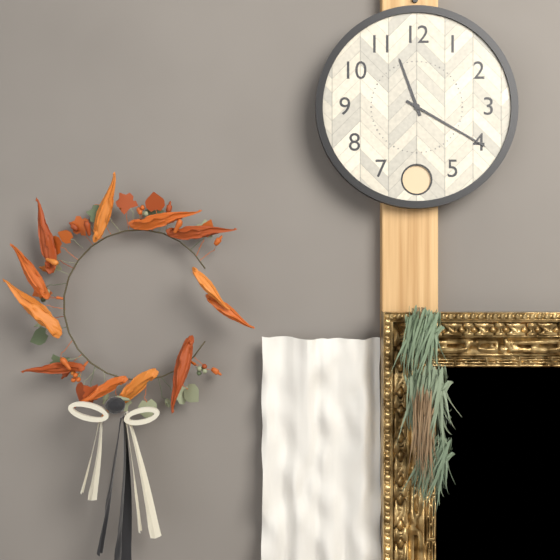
11,20
